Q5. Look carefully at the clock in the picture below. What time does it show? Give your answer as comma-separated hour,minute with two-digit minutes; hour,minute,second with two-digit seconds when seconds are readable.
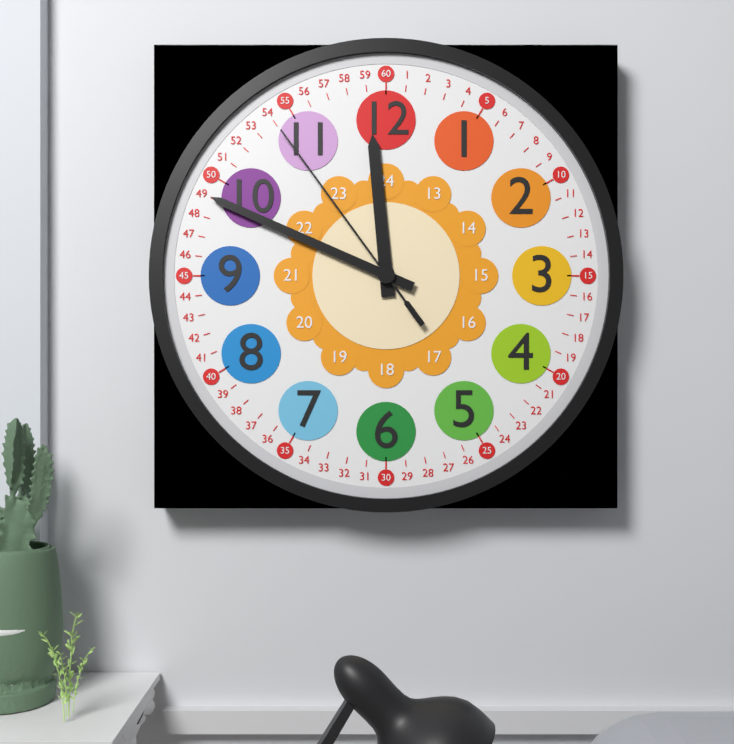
11,49,54
